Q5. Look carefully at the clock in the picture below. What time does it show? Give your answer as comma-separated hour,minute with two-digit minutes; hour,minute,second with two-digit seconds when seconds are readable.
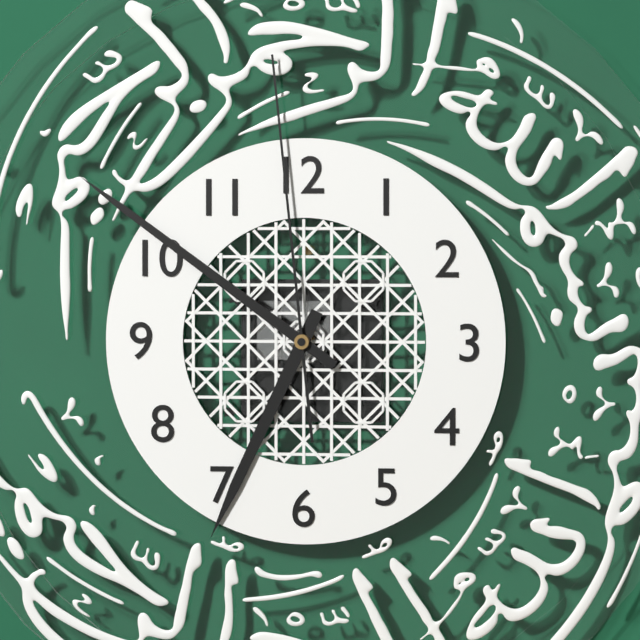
6,51,59
